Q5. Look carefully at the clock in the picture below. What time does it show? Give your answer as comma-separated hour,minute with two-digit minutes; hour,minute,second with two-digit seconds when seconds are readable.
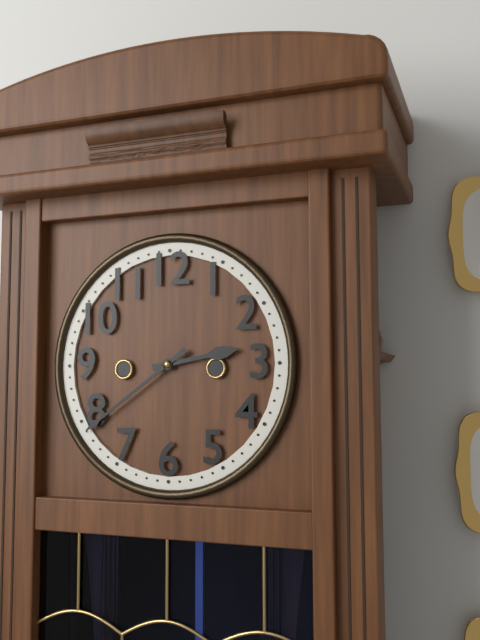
2,39
